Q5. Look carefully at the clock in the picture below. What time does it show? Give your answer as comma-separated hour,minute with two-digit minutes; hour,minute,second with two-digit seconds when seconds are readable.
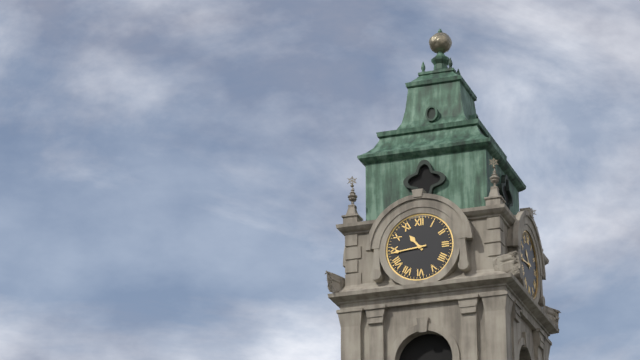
10,44
